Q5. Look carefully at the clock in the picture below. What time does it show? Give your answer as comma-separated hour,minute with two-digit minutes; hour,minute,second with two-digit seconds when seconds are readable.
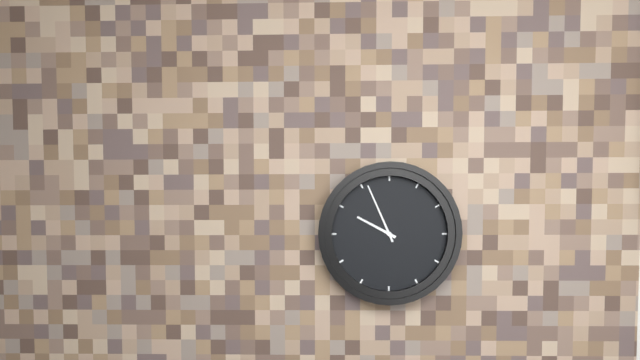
9,56
